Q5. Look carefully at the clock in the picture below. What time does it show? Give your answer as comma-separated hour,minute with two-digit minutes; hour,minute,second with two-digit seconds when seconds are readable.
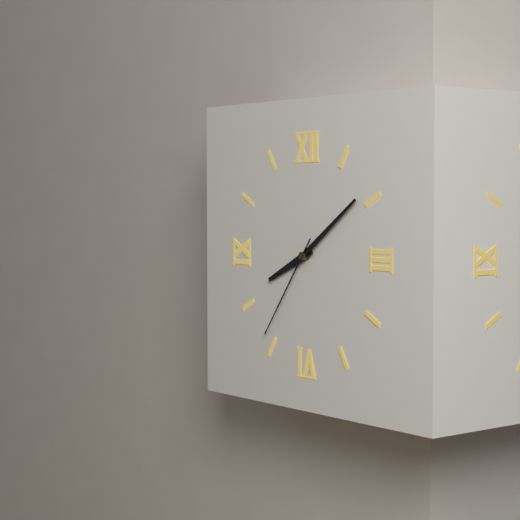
8,09,36
